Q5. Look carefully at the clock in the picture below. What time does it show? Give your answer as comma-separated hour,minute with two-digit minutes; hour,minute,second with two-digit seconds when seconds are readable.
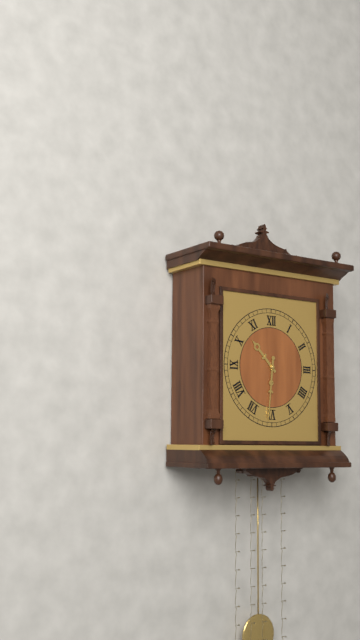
10,31
